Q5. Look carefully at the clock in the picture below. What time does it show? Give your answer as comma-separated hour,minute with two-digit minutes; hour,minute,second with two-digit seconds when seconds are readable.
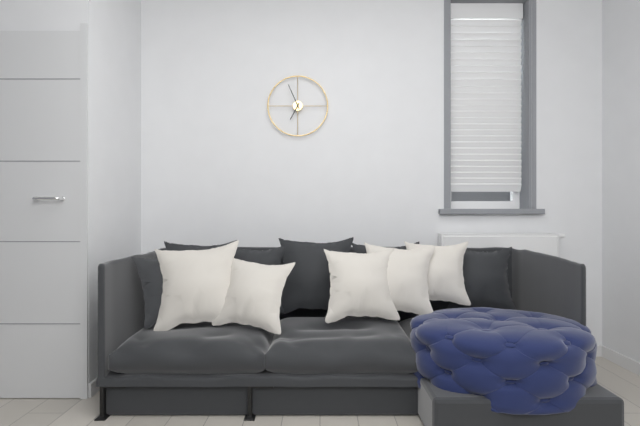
6,56
